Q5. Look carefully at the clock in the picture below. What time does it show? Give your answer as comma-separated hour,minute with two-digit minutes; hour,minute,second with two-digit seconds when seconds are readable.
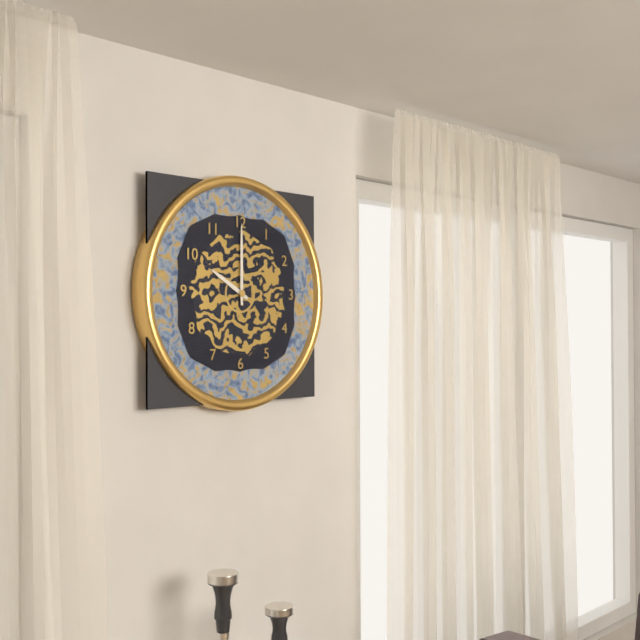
10,00
